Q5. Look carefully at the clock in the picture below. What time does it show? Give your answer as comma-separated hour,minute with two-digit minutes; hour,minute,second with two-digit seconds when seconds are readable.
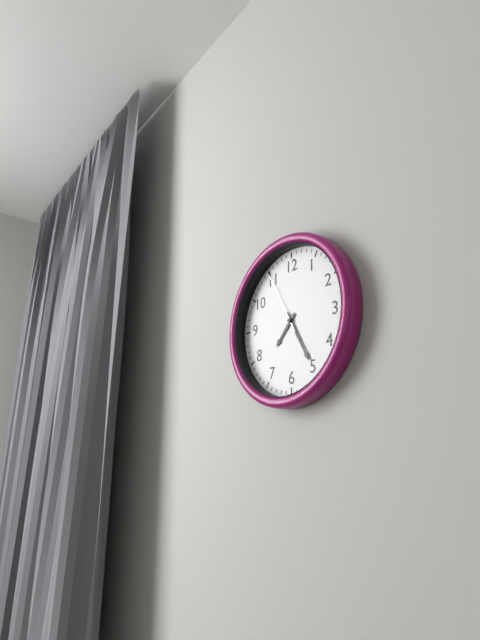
7,25,55
